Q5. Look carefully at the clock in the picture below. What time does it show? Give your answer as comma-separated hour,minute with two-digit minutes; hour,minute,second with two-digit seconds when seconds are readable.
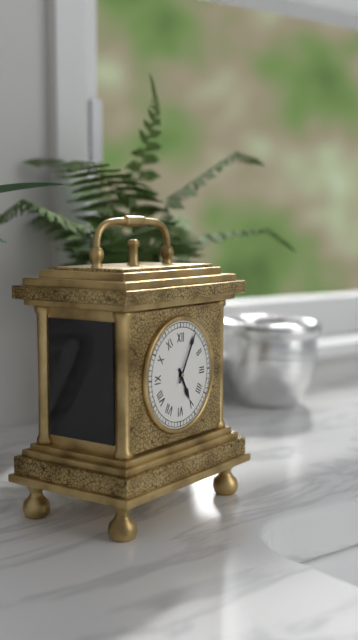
5,05
